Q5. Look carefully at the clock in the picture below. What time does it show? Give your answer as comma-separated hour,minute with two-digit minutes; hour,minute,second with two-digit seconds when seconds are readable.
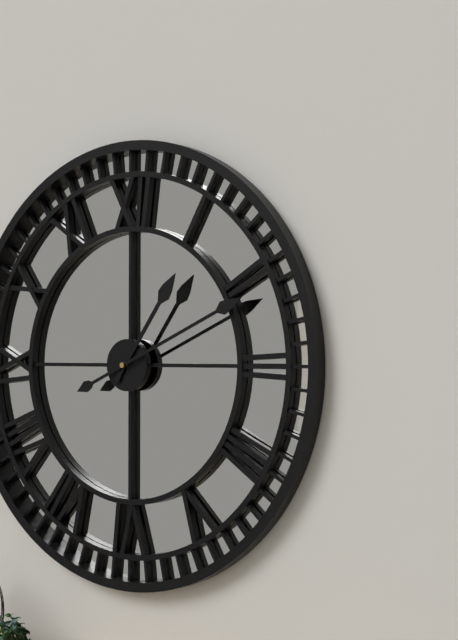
1,11
